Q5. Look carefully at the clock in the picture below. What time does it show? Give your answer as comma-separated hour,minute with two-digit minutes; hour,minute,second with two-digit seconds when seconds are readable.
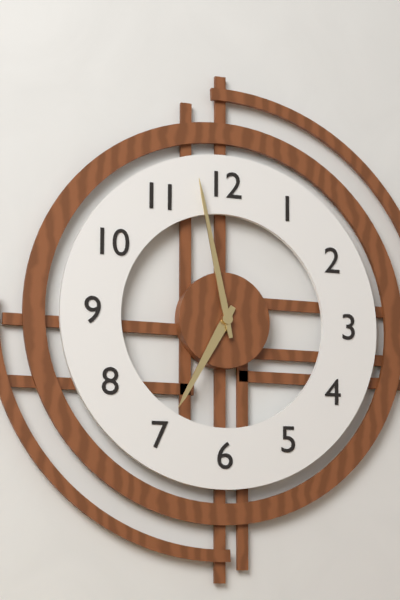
6,58
